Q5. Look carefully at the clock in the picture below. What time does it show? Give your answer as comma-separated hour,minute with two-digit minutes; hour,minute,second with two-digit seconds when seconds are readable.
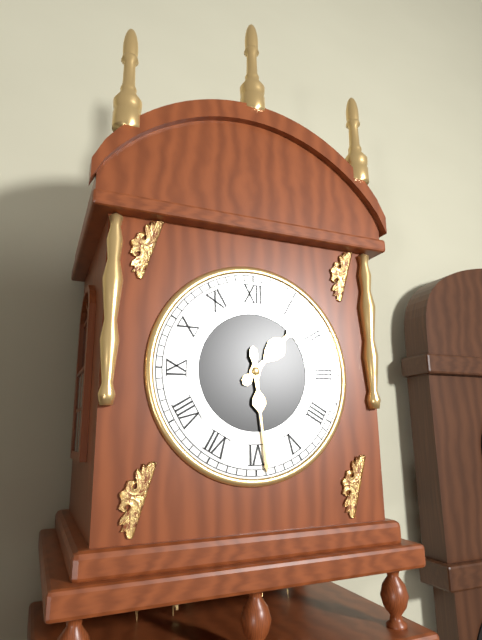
1,29
